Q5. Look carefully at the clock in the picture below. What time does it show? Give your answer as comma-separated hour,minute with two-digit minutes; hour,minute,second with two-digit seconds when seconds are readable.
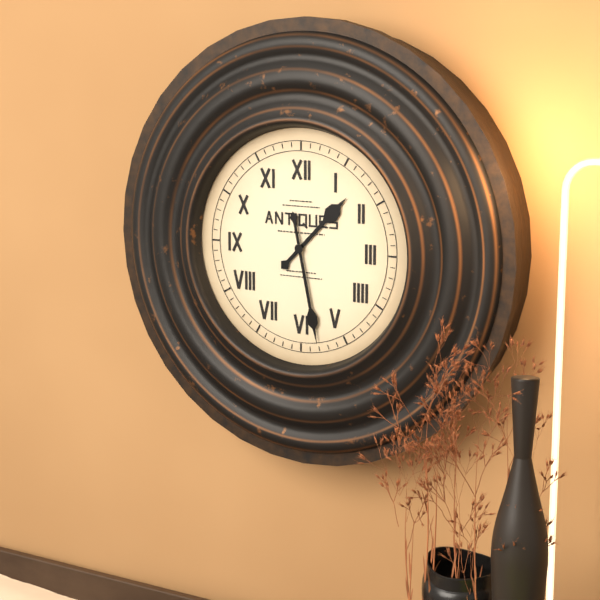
1,28
